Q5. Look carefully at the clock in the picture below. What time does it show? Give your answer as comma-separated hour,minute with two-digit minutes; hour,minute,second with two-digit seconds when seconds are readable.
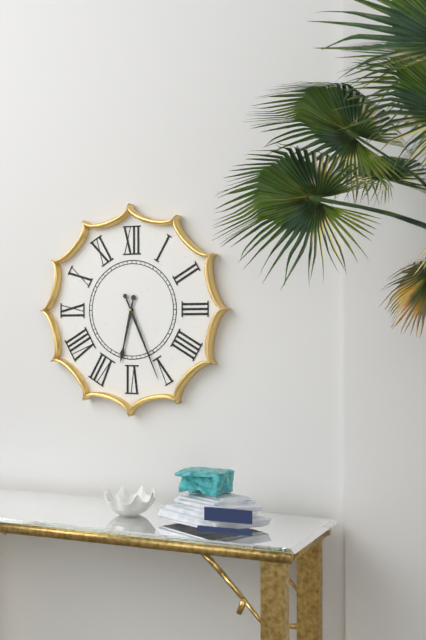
6,26
